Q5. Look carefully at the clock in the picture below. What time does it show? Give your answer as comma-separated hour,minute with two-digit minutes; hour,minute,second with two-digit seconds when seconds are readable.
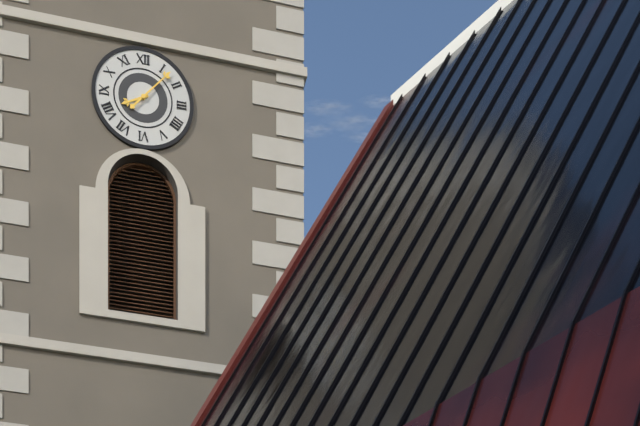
8,07
